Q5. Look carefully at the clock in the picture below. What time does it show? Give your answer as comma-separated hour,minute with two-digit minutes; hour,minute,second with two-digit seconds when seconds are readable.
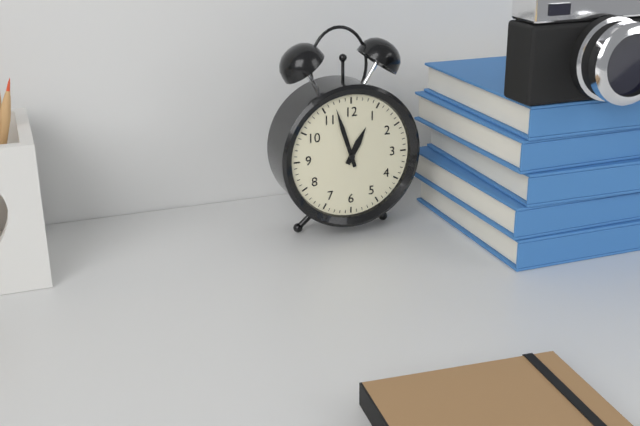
12,57
